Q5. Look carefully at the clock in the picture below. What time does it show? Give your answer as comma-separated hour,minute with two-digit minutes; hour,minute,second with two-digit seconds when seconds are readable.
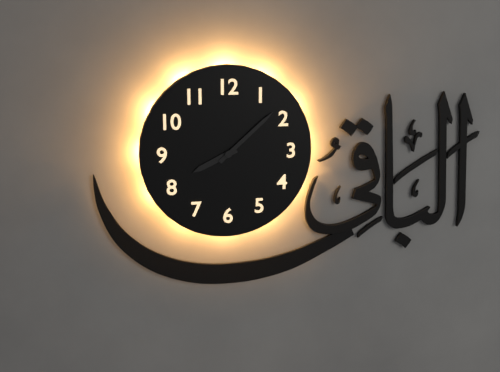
8,08
